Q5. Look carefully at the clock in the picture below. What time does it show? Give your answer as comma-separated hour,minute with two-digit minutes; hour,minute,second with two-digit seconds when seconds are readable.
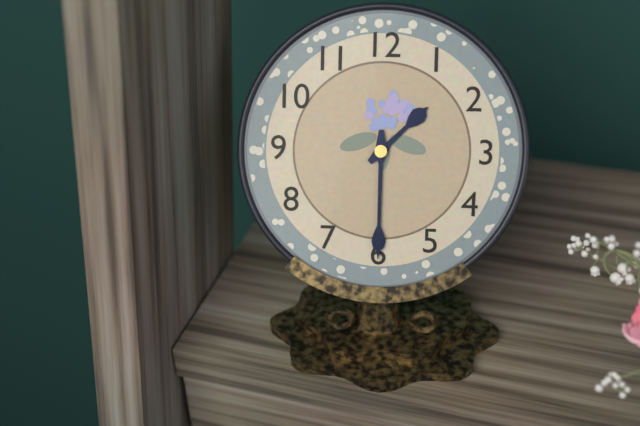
1,30
